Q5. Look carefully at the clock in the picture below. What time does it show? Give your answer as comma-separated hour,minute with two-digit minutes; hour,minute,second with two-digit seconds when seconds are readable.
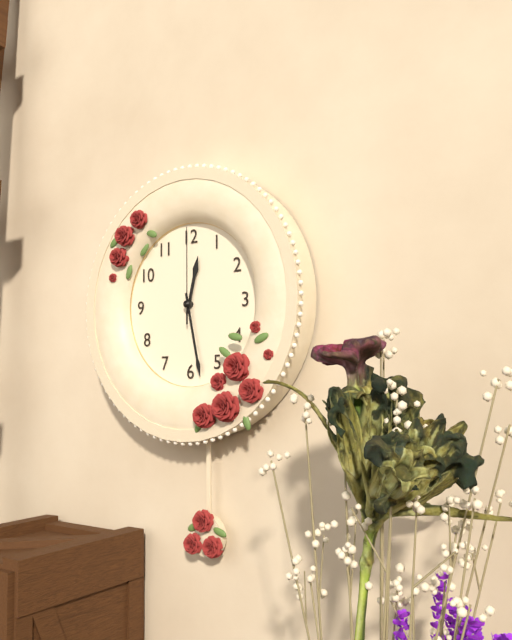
12,28,00
